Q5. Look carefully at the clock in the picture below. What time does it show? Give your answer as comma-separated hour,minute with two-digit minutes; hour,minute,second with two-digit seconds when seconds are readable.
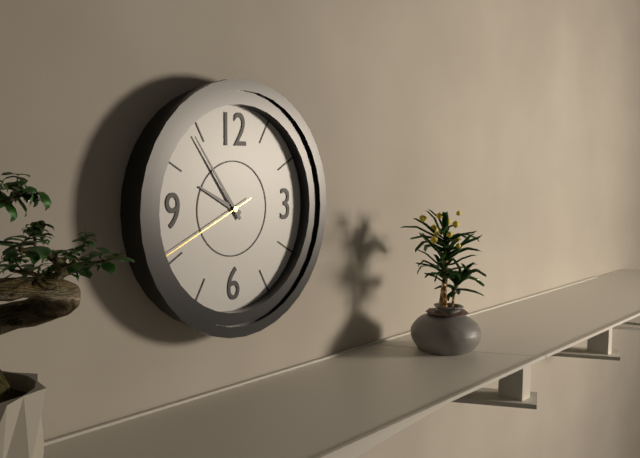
9,54,41
